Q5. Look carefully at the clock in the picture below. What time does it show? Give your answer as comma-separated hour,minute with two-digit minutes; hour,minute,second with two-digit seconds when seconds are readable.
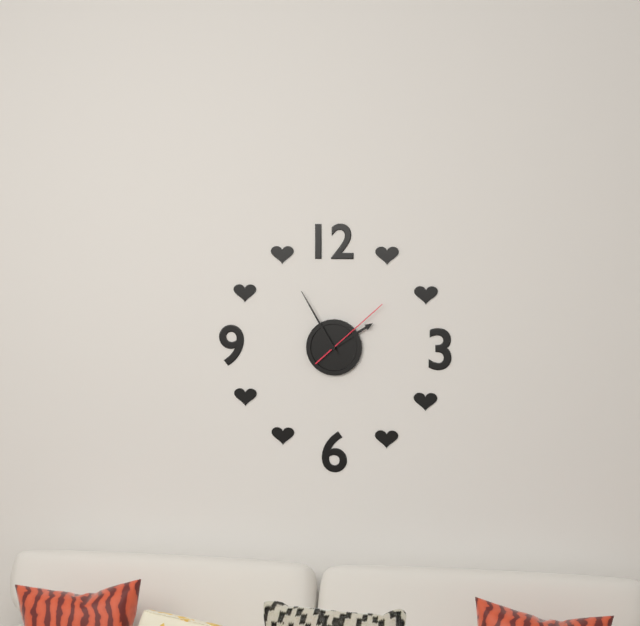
1,55,08
